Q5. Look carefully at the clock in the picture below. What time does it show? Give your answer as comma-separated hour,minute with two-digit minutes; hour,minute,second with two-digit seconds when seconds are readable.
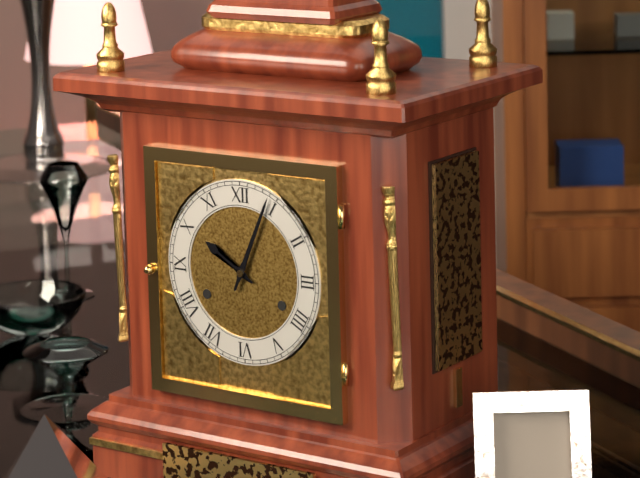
10,04
